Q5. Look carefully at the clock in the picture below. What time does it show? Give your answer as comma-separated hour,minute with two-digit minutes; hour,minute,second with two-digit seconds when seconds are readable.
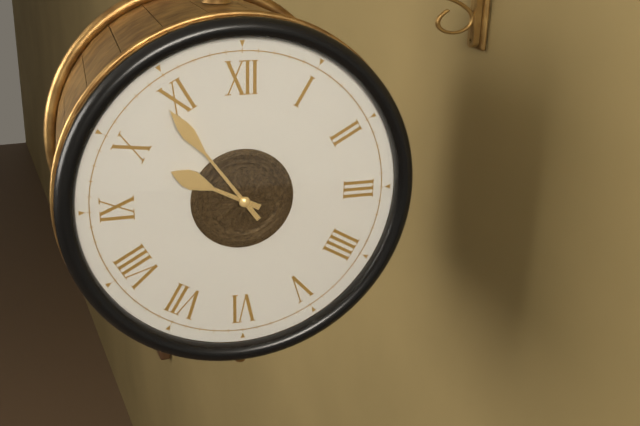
9,54
